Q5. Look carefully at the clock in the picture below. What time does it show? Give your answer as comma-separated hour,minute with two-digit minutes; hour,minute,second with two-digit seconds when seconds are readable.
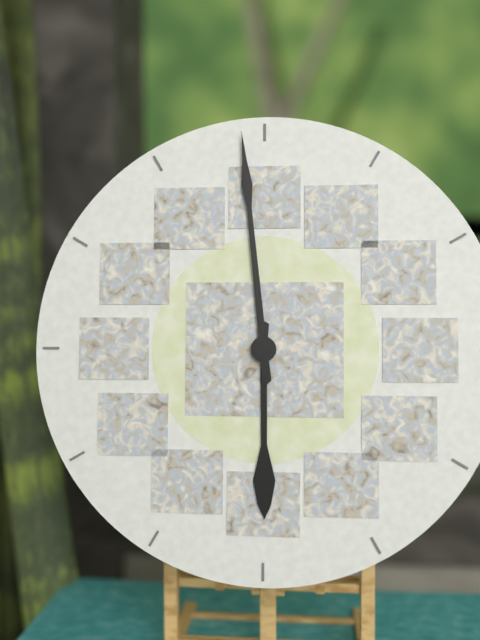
5,59
